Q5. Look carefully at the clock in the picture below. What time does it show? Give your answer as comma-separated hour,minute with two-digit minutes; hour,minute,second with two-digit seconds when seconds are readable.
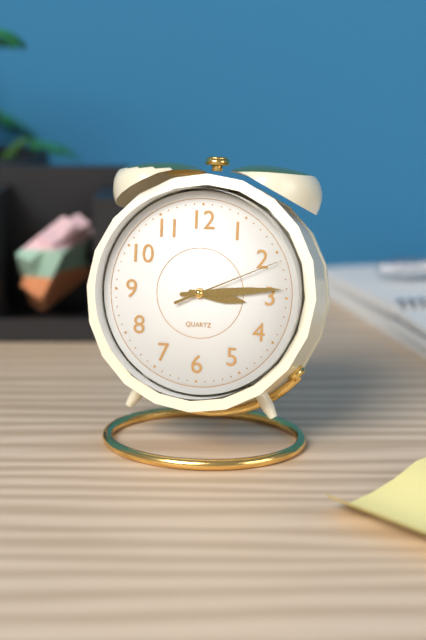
3,14,11
